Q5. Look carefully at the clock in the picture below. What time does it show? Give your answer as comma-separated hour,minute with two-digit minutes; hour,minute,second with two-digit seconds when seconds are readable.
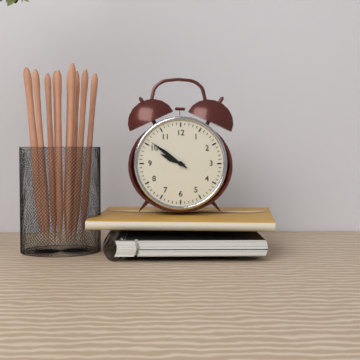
9,51
